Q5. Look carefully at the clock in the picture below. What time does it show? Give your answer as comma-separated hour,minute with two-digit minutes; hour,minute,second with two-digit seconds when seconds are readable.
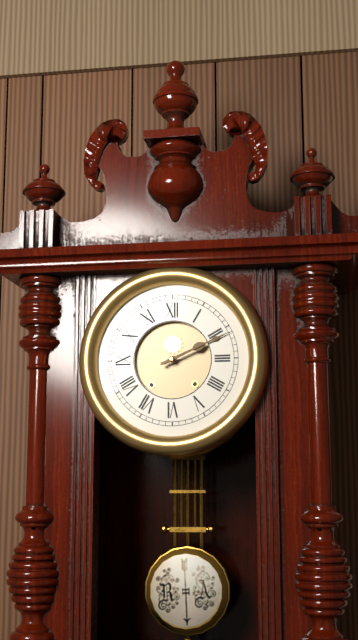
2,11
